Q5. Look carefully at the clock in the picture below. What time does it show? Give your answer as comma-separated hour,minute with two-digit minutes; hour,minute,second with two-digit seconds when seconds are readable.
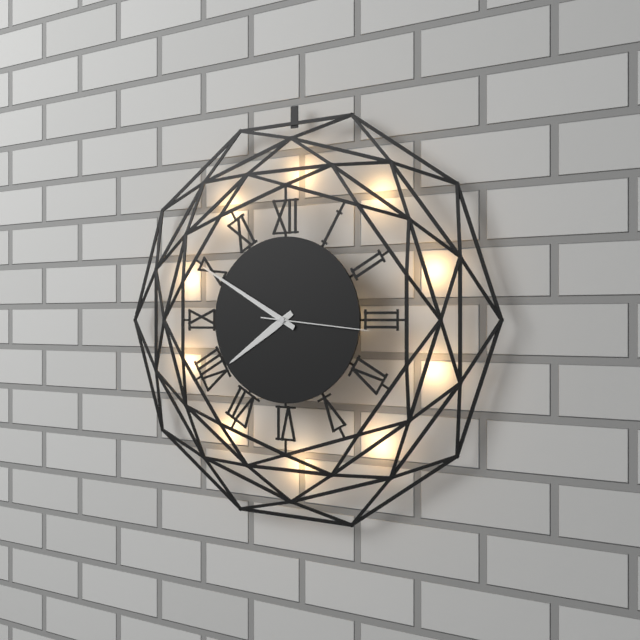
7,50,16
